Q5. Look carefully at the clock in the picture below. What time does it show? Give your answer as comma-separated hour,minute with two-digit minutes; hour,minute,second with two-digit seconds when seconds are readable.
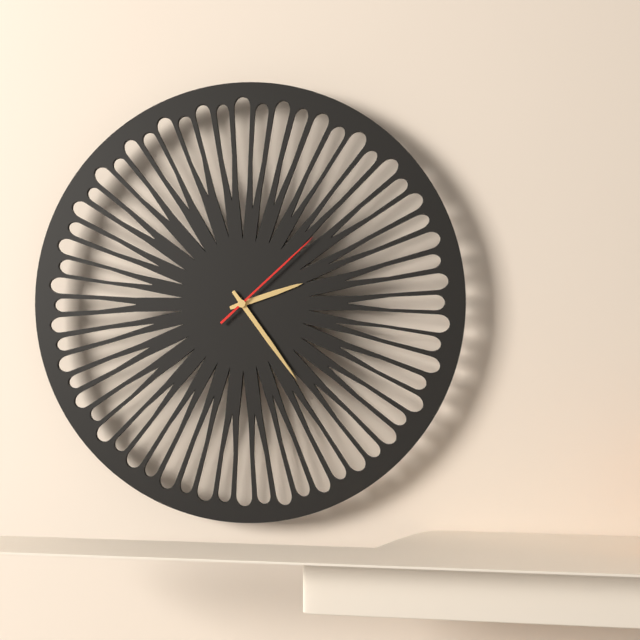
2,24,08
